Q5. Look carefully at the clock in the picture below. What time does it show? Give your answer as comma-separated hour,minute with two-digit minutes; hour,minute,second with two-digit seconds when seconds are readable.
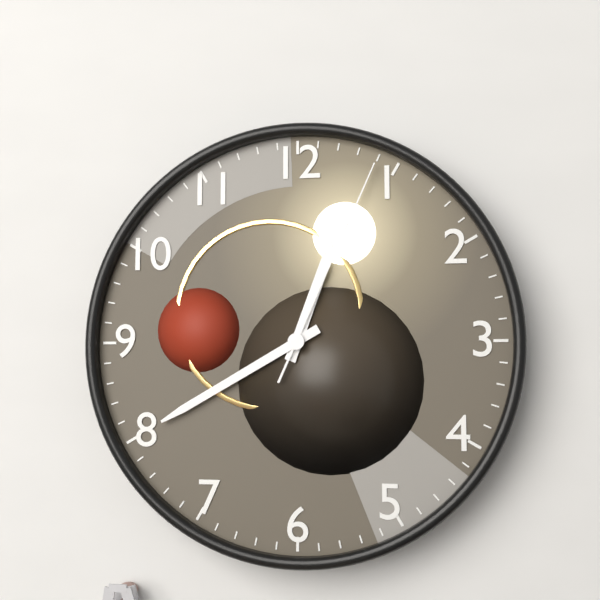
12,40,04
